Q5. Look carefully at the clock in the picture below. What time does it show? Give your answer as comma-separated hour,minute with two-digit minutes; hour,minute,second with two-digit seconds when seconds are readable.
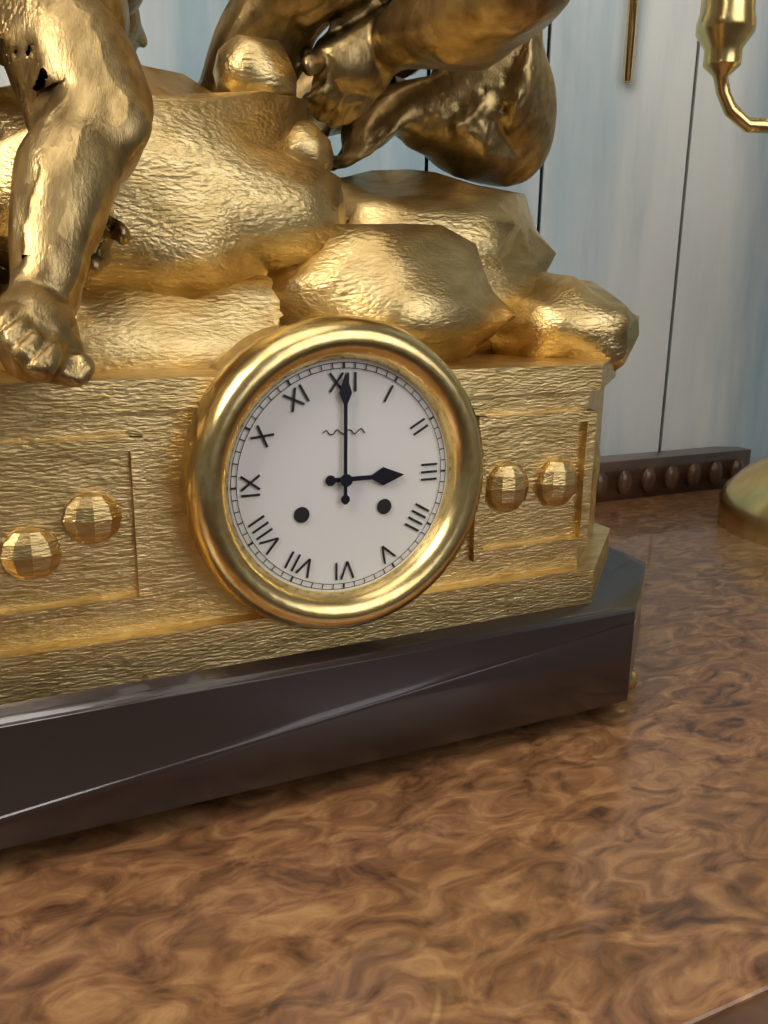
3,00
